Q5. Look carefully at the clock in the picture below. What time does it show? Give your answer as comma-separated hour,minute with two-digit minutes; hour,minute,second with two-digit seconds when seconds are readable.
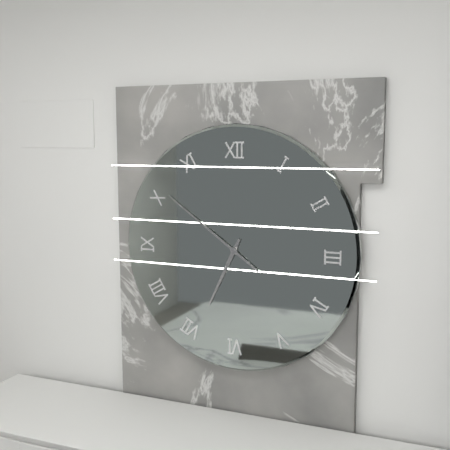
6,51
